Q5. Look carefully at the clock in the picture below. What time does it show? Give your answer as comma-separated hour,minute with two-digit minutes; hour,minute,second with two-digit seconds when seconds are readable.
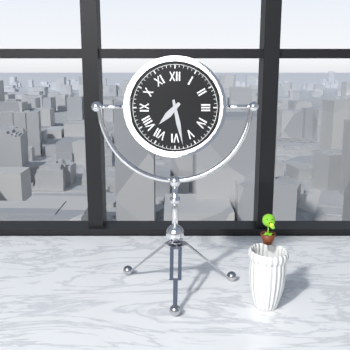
7,28
